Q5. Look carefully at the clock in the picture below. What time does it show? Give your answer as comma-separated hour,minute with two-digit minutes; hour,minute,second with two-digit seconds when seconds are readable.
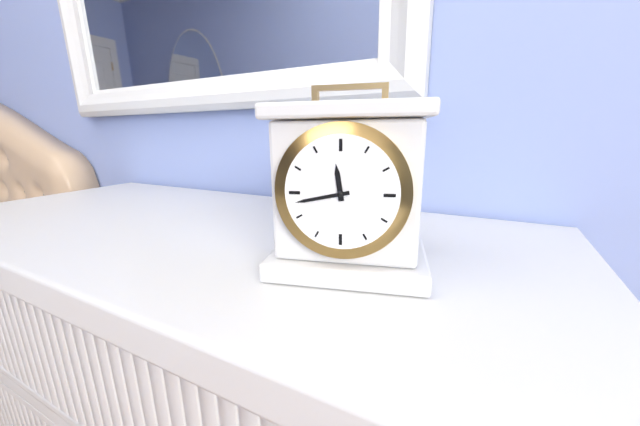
11,43
